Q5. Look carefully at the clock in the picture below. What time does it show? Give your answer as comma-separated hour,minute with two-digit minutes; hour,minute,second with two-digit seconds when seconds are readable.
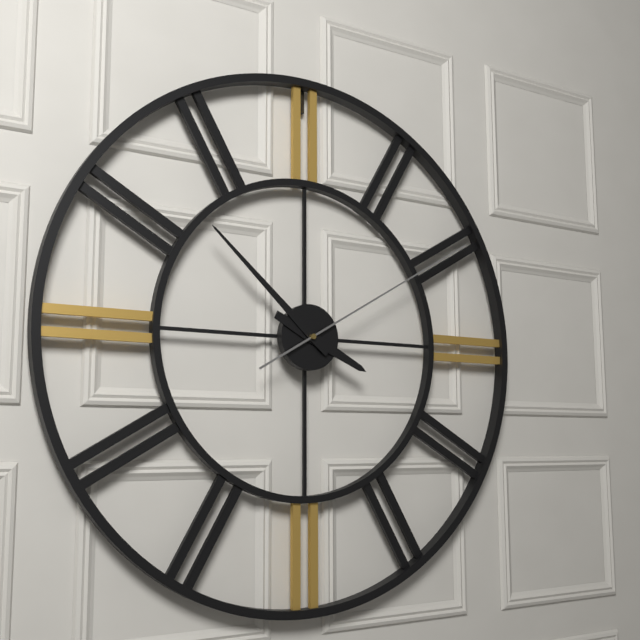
3,52,10
